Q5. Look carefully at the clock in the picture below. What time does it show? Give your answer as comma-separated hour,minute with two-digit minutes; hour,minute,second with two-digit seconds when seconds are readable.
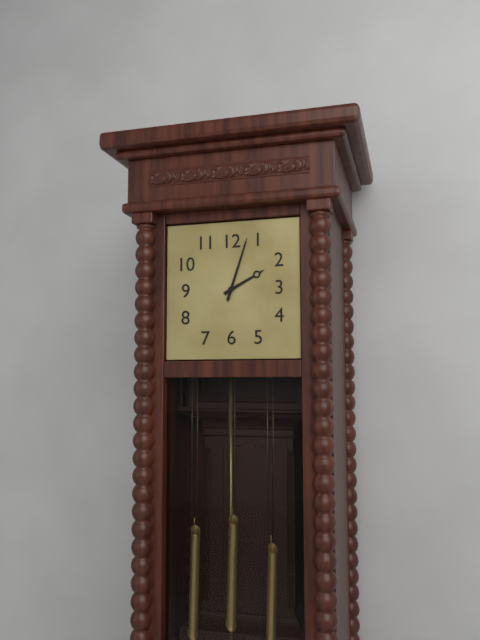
2,03
